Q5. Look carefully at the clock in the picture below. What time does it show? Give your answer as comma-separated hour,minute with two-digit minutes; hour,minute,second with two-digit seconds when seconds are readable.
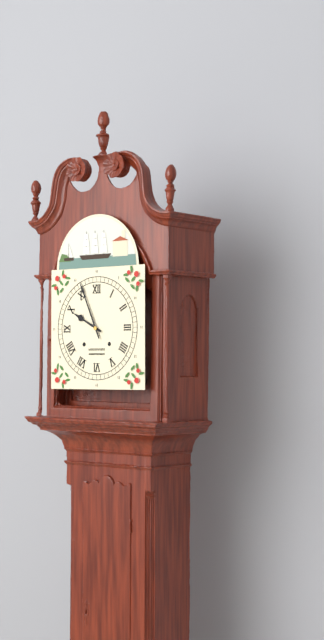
9,56
